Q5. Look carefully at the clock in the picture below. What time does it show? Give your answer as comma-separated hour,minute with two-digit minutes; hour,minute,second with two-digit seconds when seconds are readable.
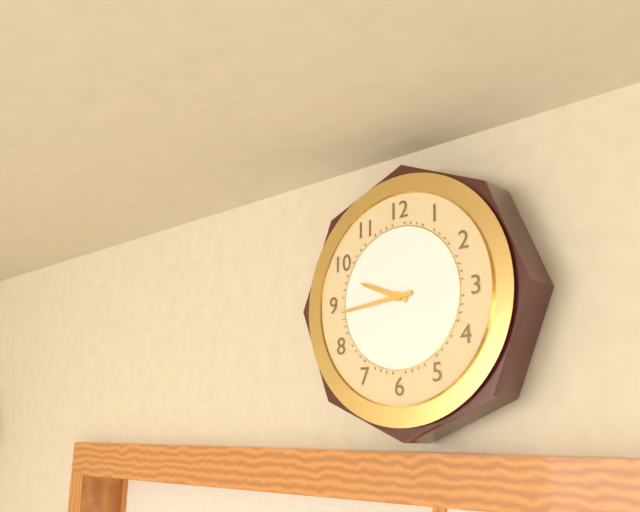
9,44
